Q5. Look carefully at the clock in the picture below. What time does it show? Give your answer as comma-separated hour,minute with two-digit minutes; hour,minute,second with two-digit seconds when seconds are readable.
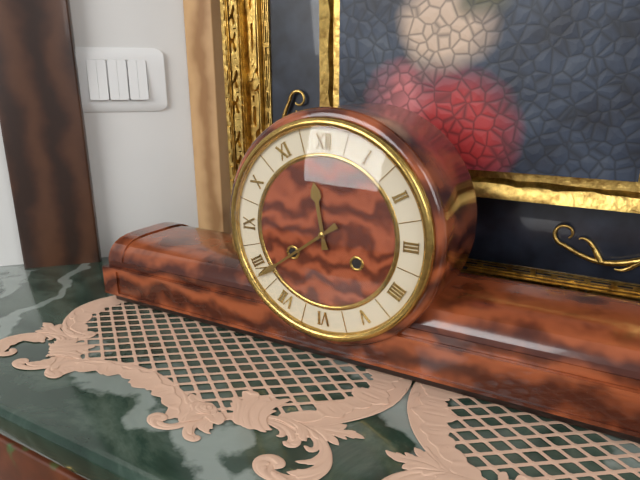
11,39
